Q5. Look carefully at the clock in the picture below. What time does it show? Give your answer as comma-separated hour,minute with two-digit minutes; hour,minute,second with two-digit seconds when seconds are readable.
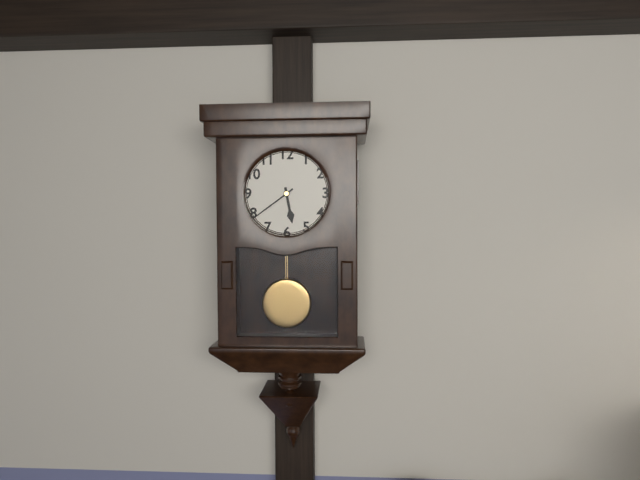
5,39
